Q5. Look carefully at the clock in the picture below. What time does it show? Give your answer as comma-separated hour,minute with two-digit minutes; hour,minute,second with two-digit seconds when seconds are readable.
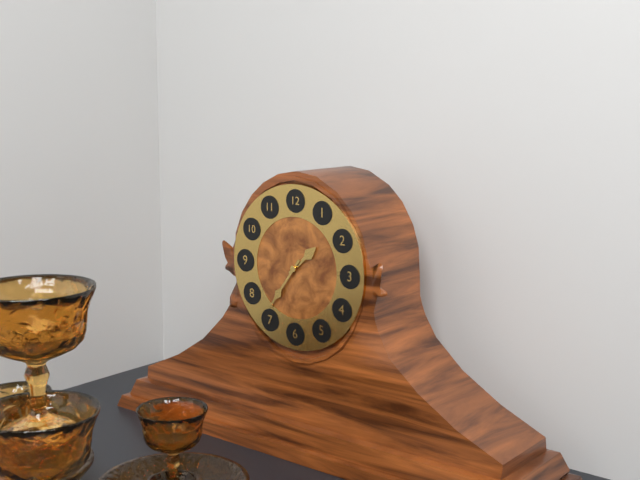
1,36
